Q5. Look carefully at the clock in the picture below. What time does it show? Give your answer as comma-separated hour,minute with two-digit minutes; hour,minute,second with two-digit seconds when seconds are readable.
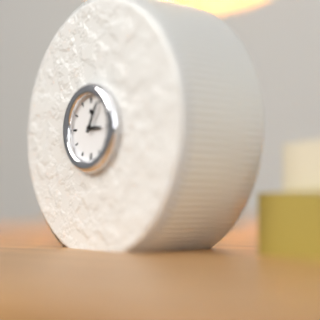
3,05
